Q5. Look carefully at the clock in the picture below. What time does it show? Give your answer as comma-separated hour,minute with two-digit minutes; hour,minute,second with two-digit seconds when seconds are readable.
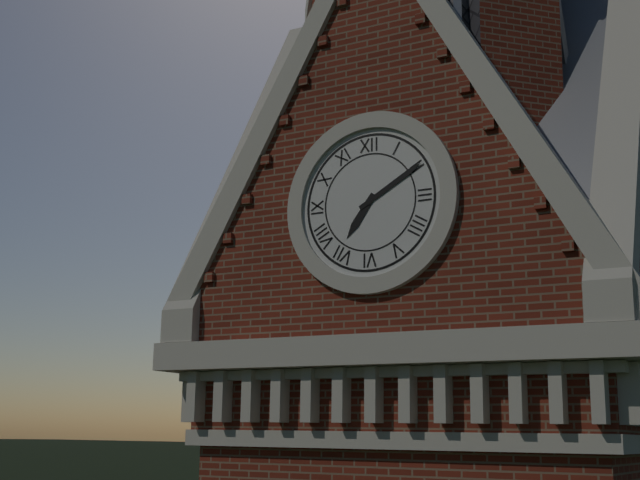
7,10
